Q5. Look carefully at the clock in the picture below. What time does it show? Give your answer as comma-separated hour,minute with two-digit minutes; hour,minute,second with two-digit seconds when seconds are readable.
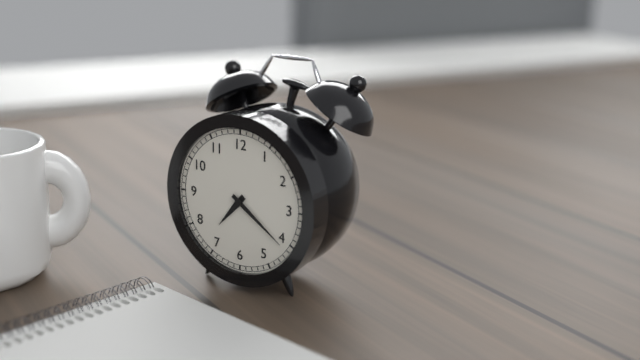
7,21
